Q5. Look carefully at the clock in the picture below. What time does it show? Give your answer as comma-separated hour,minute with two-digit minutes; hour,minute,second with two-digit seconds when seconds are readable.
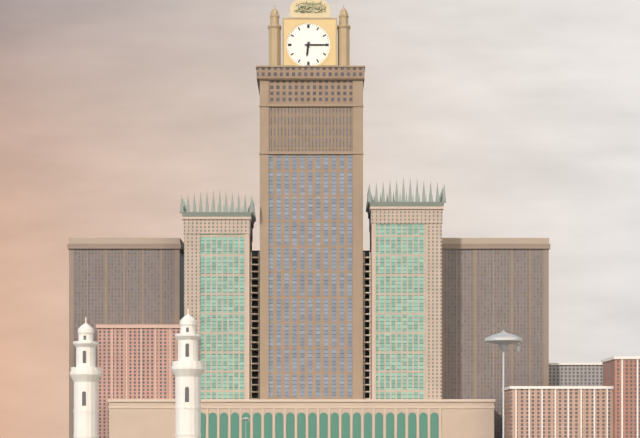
6,15
